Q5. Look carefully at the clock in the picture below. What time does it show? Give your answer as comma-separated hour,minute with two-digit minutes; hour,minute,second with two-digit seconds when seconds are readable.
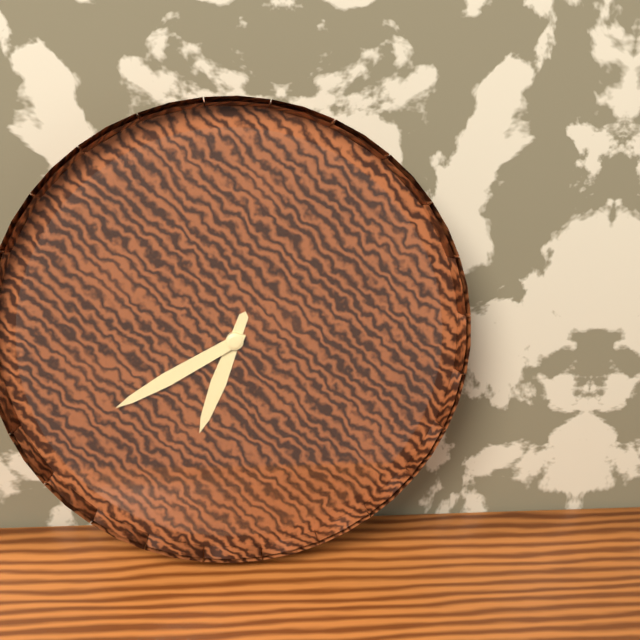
6,40
